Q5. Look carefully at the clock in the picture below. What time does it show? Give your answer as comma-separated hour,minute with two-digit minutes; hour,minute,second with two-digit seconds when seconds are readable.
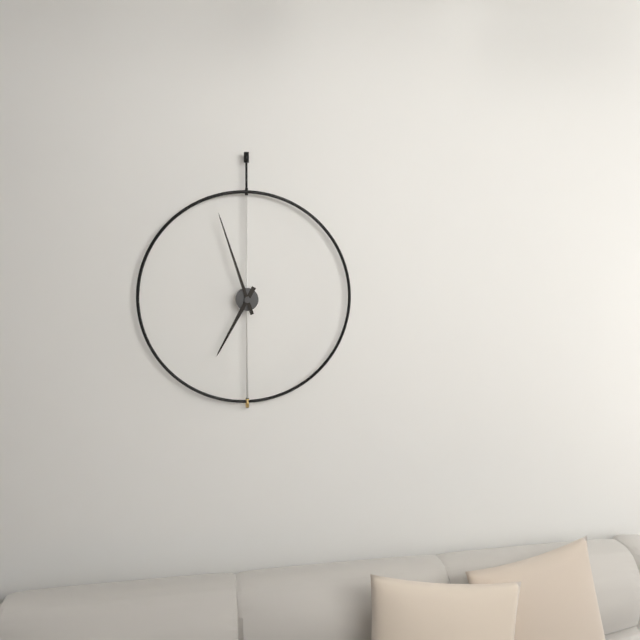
6,57
